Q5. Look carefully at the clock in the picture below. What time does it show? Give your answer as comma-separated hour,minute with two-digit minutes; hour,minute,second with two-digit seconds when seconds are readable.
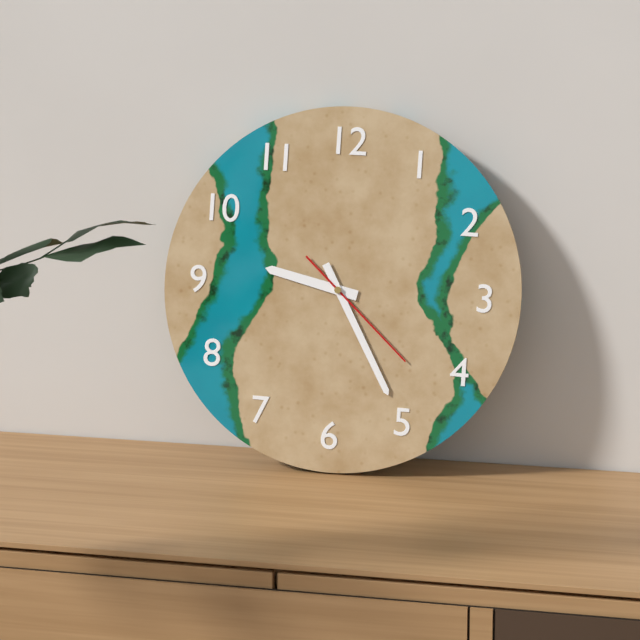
9,25,22
